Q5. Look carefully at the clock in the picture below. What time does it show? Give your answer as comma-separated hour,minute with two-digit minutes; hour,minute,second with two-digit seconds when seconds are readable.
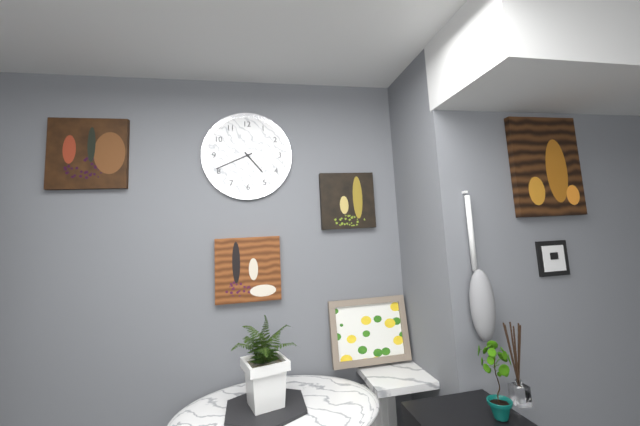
4,41
